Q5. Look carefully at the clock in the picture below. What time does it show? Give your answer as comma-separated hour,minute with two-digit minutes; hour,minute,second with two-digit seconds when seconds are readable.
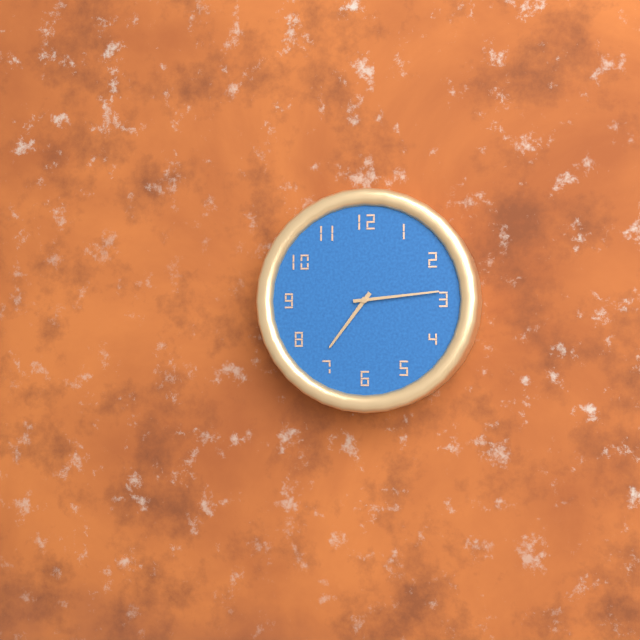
7,14
